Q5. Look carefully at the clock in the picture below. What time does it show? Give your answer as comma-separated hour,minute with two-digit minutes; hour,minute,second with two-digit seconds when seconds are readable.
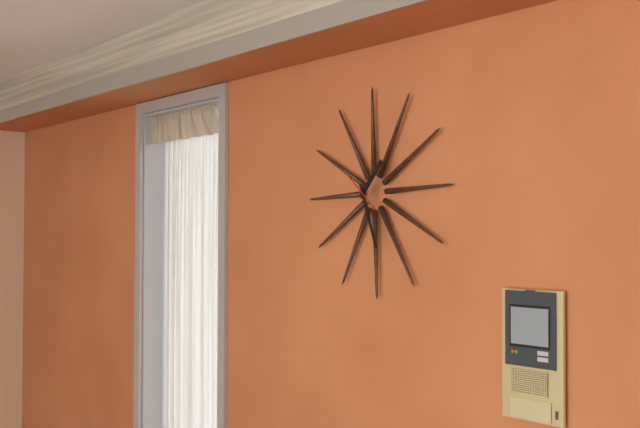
1,27
